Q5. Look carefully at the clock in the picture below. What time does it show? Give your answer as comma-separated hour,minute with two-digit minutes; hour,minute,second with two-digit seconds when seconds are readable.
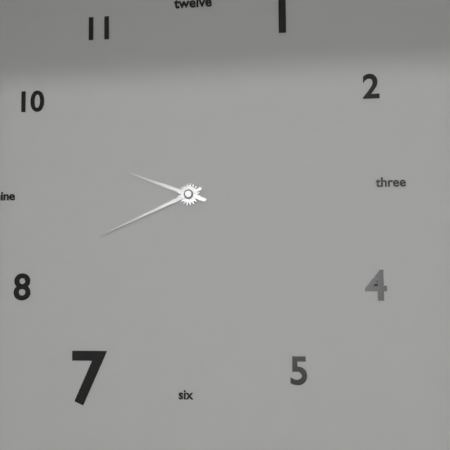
9,41
